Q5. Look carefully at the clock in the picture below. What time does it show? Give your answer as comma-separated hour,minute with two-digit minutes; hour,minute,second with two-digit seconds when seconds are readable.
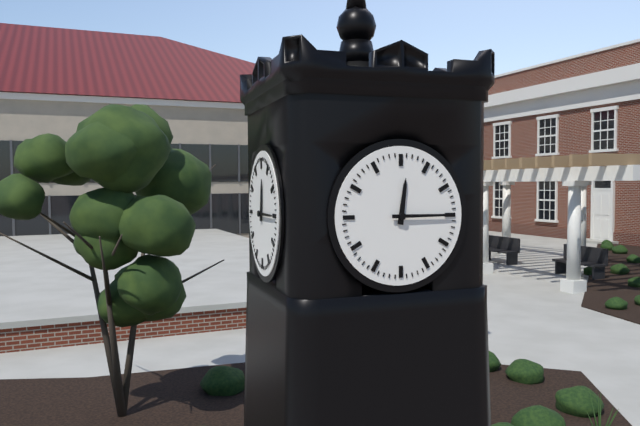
12,15
